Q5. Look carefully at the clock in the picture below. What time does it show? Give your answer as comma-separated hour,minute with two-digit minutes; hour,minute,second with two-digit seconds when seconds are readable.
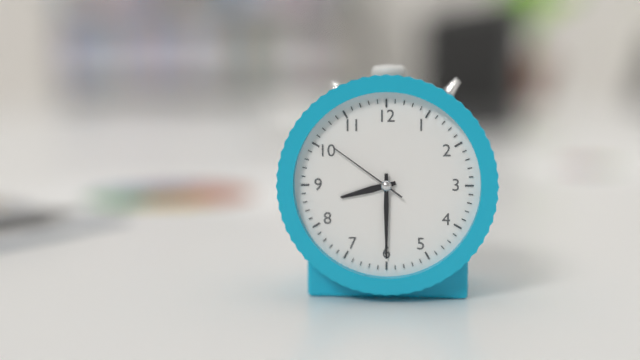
8,30,51
